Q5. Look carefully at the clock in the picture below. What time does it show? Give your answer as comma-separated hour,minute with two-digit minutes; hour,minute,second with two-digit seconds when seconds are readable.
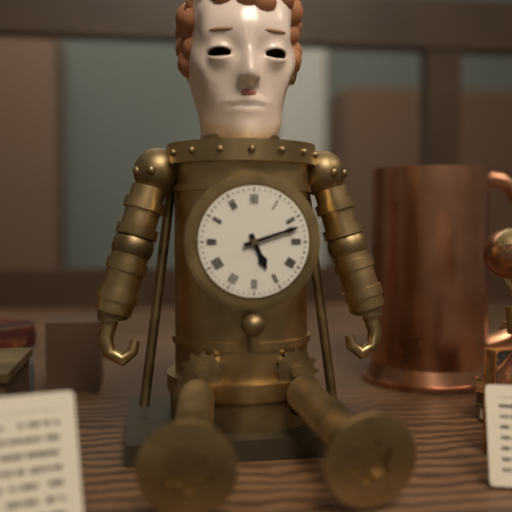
5,12
